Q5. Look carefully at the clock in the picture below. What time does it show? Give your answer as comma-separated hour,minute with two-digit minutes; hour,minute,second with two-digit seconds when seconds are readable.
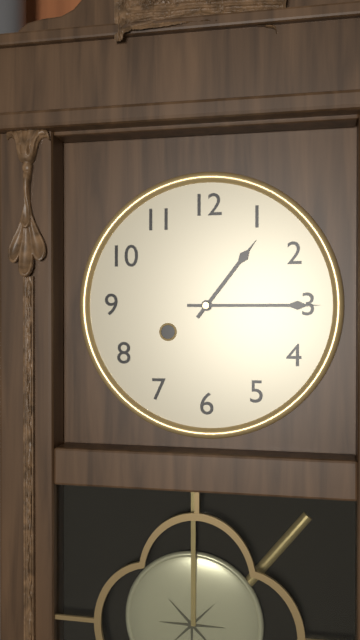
1,15
